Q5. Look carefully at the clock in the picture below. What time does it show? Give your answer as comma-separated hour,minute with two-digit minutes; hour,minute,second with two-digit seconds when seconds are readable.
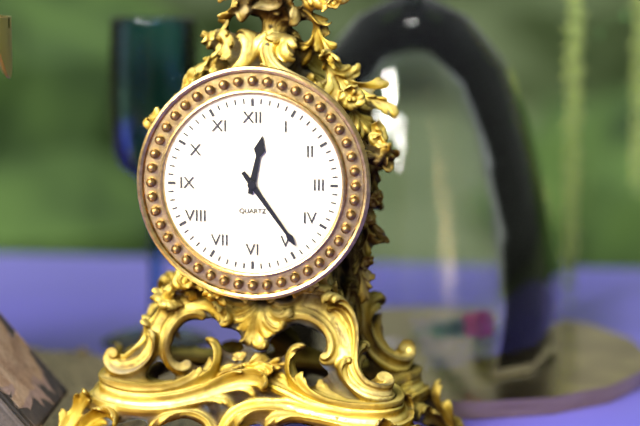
12,24
